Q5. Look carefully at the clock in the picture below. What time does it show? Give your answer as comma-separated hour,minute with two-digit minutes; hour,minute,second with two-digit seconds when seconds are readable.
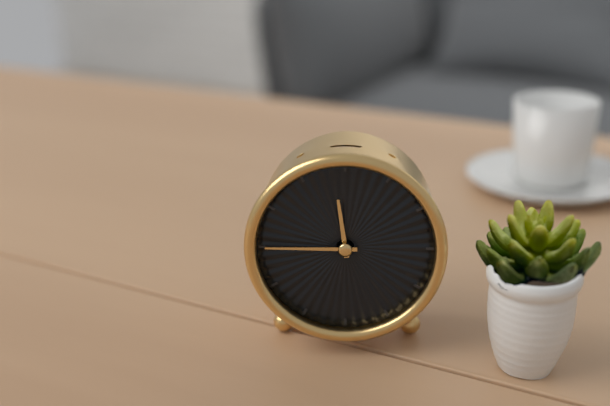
11,45
